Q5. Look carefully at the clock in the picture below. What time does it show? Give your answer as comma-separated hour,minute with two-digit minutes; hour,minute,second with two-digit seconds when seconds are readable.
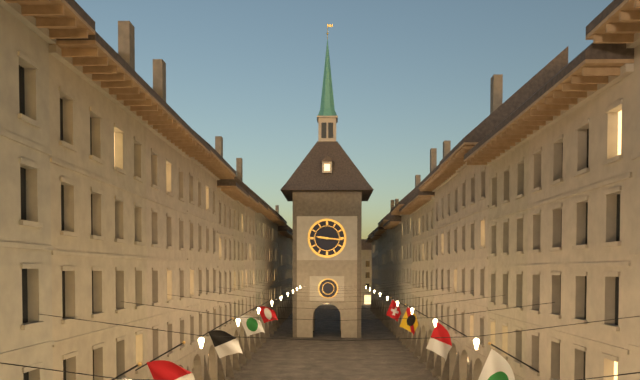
9,16
